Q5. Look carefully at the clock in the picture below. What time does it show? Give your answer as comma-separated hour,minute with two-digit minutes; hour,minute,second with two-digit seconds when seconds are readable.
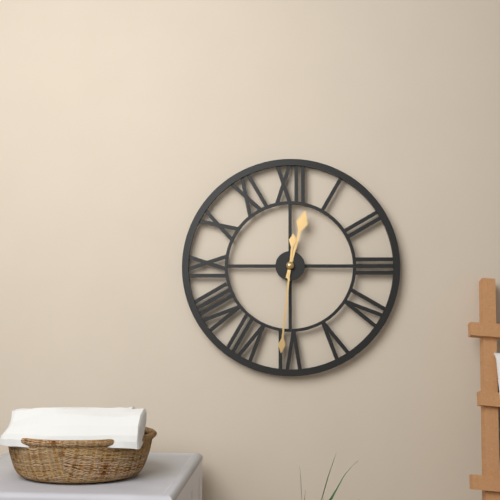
12,31
